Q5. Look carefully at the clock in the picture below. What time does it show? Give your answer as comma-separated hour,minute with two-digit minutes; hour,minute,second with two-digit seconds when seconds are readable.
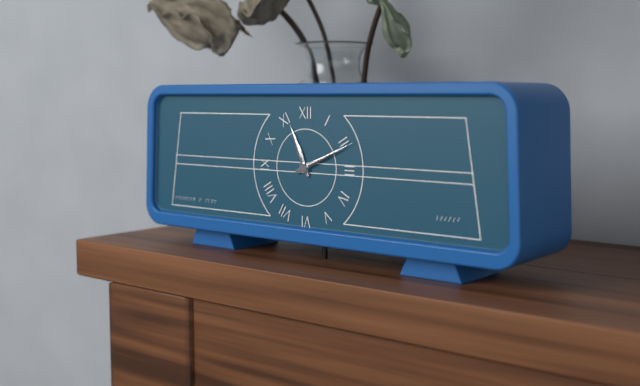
11,11
